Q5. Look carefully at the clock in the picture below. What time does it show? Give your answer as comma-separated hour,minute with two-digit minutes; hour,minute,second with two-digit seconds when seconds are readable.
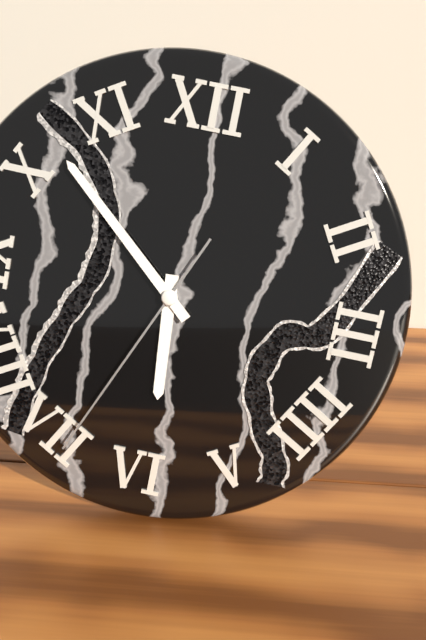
5,52,34
